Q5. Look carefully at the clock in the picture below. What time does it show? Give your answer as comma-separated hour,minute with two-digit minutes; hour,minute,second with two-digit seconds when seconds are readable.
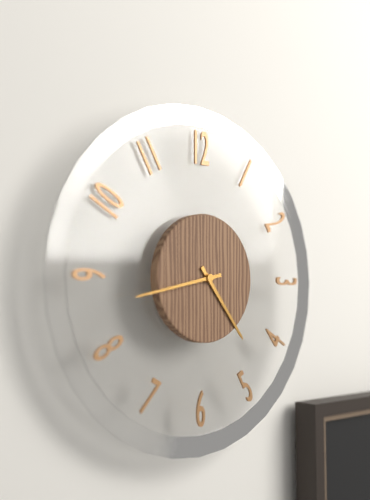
4,43
